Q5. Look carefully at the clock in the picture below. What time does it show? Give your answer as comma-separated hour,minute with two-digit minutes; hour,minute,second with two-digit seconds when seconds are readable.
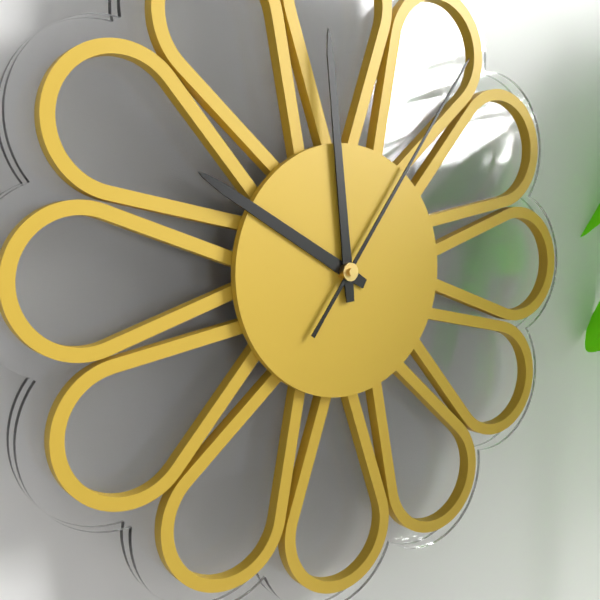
9,59,06
